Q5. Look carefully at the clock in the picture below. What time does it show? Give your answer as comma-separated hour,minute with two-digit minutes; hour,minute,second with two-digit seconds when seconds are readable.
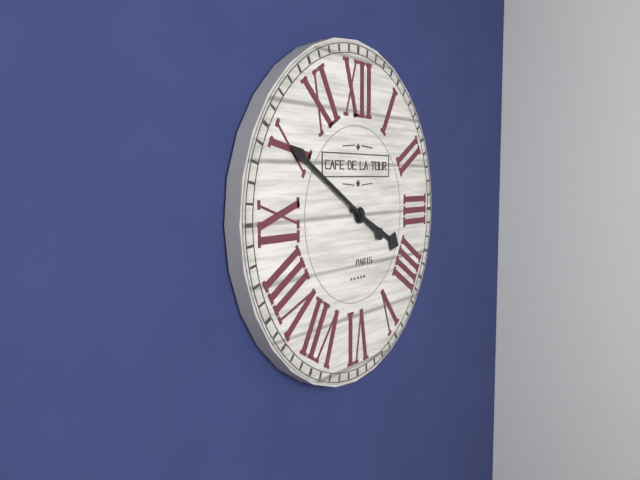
3,50
